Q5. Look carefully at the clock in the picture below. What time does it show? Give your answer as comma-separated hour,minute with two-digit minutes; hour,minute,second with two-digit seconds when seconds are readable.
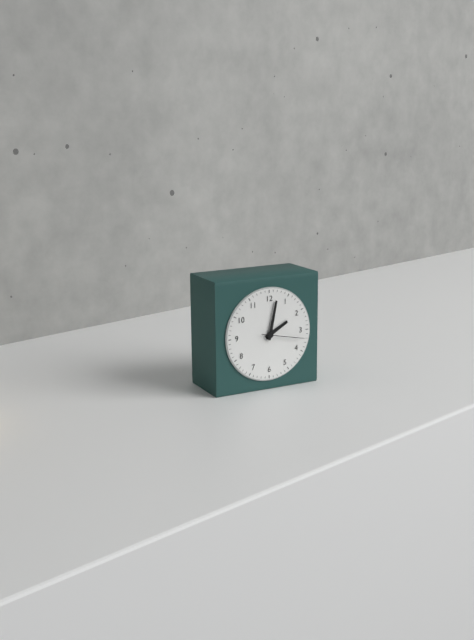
2,02
